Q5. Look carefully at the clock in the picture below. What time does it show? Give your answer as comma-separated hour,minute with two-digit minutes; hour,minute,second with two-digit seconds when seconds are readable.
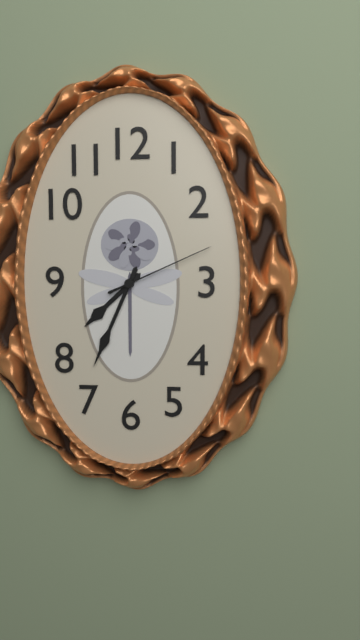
7,34,11
